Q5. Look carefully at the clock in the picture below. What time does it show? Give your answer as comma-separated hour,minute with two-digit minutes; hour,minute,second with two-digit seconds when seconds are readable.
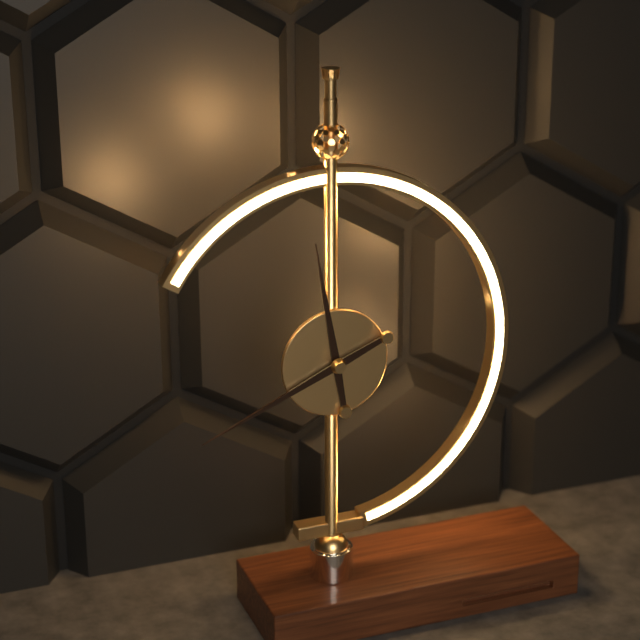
11,41
